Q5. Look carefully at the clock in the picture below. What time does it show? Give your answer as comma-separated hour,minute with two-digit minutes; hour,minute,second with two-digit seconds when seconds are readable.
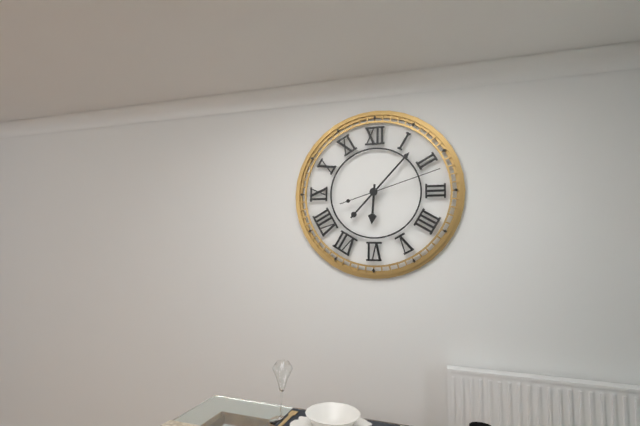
6,07,12
